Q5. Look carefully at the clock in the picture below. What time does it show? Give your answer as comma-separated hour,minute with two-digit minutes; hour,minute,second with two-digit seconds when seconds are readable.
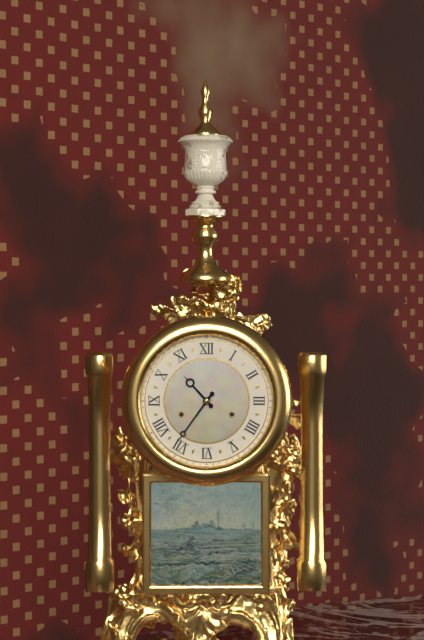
10,36
